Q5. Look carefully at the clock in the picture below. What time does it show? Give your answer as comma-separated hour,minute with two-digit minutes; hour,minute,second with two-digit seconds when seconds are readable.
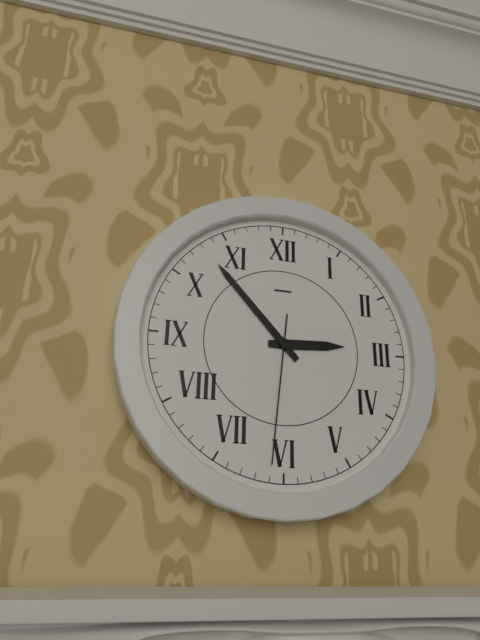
2,53,31
